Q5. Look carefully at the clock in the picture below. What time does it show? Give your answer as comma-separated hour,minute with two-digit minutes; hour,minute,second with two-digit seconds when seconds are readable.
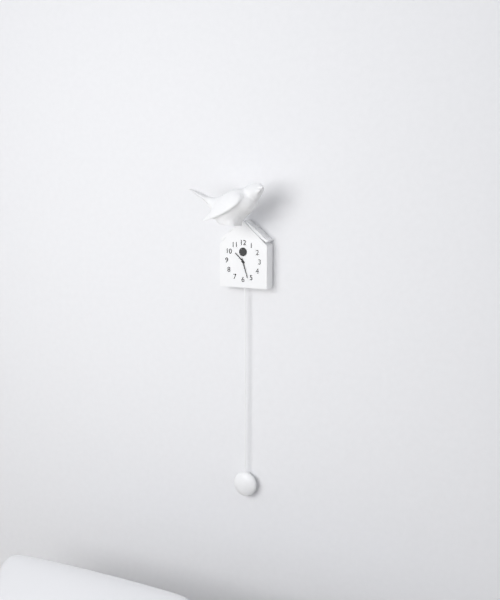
10,27
